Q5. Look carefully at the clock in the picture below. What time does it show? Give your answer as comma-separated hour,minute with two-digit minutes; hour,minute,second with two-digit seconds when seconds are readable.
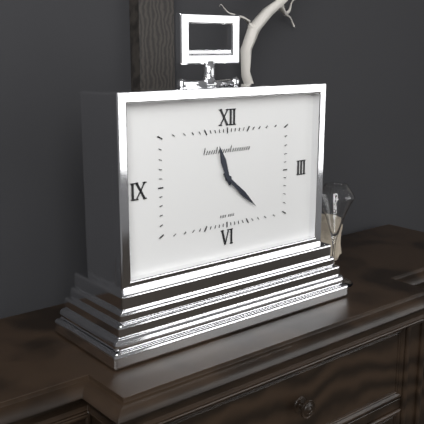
11,22
